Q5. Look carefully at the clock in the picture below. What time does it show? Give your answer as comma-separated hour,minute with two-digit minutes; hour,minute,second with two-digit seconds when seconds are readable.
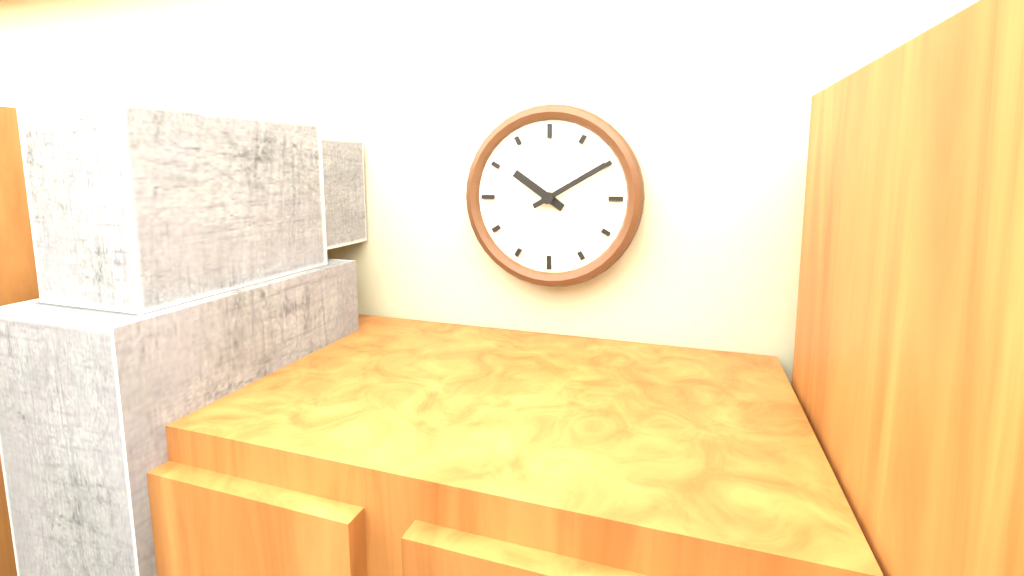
10,10
